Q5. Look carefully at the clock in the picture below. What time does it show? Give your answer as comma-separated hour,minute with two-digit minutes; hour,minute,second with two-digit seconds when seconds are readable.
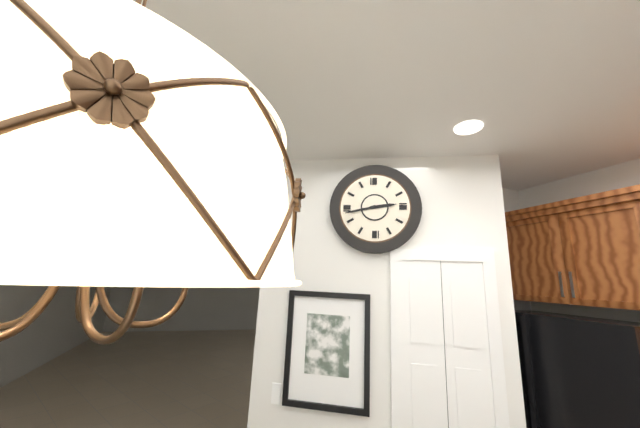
2,43
